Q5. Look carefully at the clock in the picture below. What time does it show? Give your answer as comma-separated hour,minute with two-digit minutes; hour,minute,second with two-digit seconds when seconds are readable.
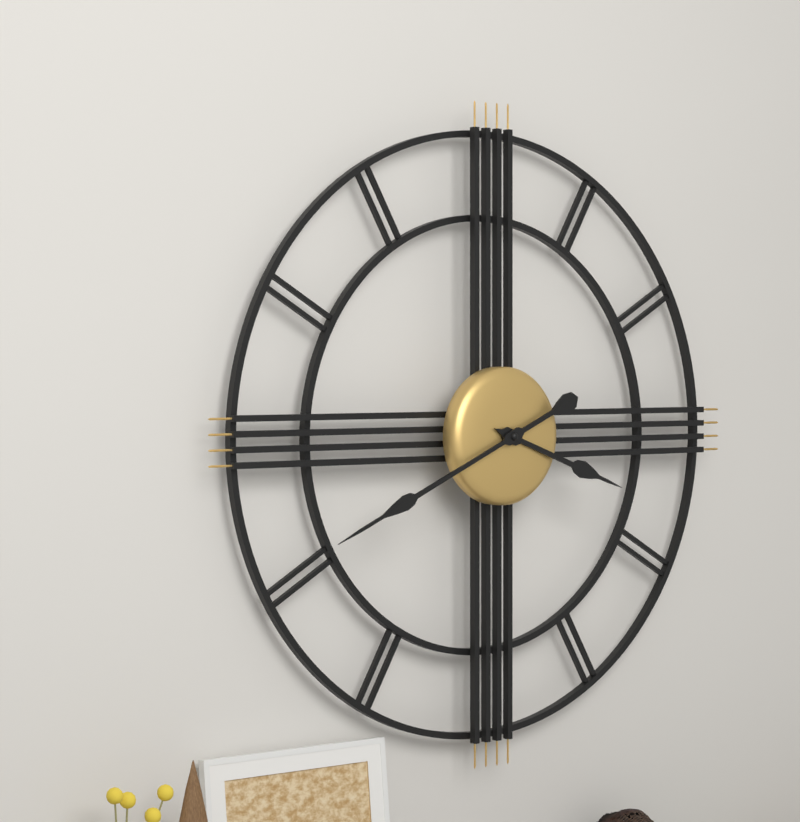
3,41
